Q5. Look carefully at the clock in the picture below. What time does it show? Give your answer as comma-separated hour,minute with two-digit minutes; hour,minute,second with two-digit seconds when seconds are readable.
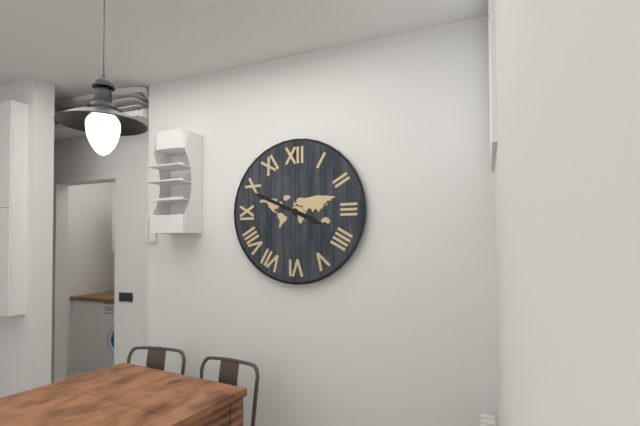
3,49
